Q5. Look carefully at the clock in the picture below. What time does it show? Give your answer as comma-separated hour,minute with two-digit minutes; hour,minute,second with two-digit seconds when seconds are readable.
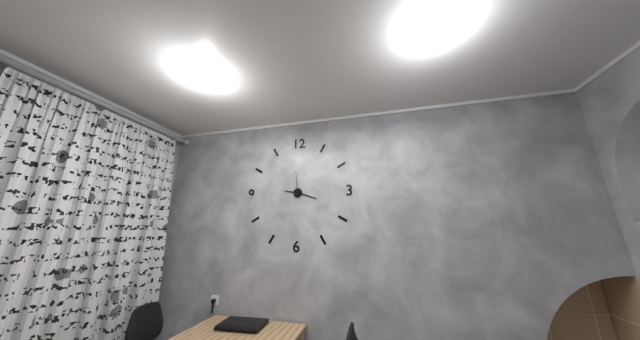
9,18
